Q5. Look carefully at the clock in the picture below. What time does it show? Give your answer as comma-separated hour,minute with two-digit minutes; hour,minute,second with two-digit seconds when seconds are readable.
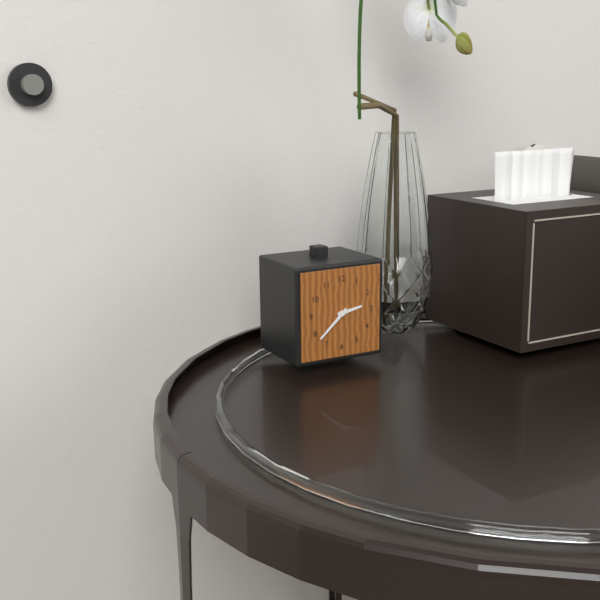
2,38
